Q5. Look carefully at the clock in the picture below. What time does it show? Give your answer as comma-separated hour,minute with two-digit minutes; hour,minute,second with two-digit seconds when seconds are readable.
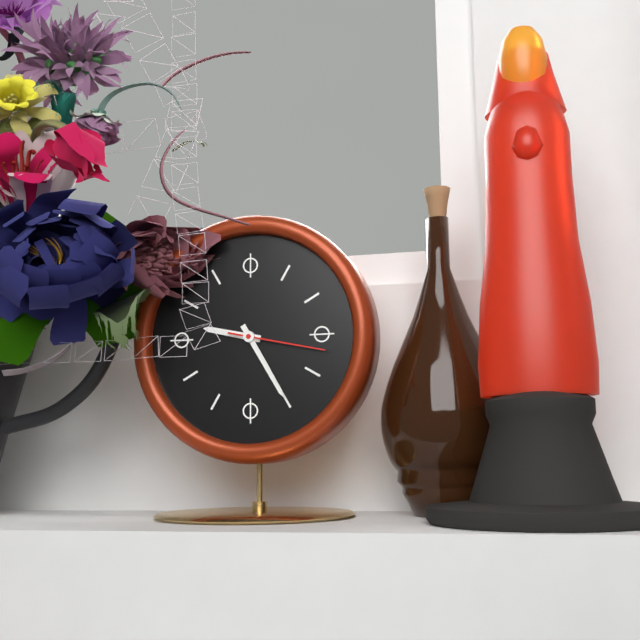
9,25,17
